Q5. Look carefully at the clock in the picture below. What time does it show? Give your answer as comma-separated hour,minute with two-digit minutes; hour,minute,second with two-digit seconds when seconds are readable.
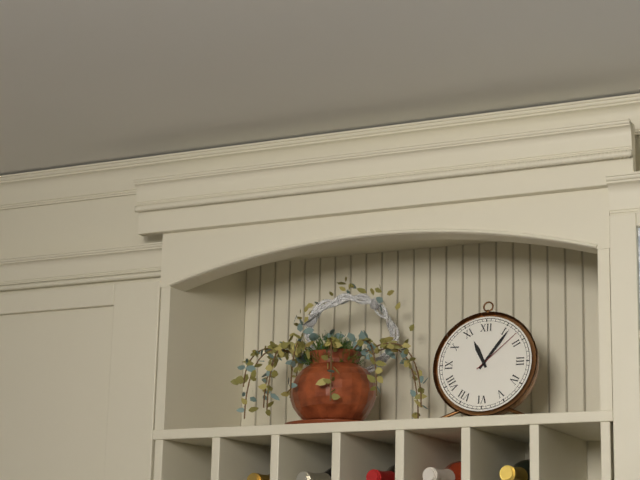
11,06,08
